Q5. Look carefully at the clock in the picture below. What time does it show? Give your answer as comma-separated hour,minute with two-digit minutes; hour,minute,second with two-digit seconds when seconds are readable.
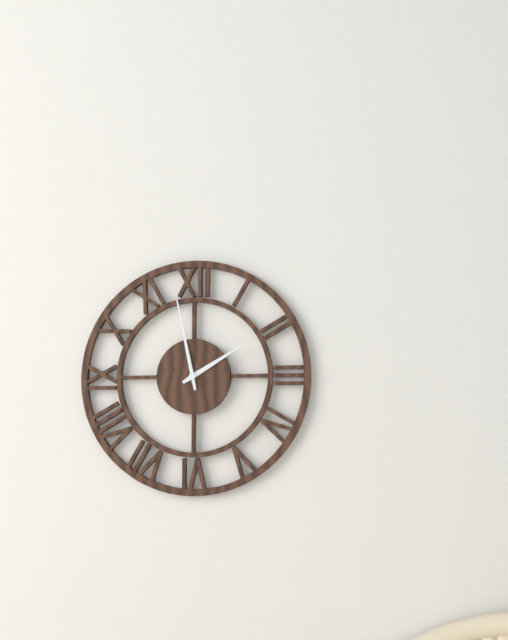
1,58
